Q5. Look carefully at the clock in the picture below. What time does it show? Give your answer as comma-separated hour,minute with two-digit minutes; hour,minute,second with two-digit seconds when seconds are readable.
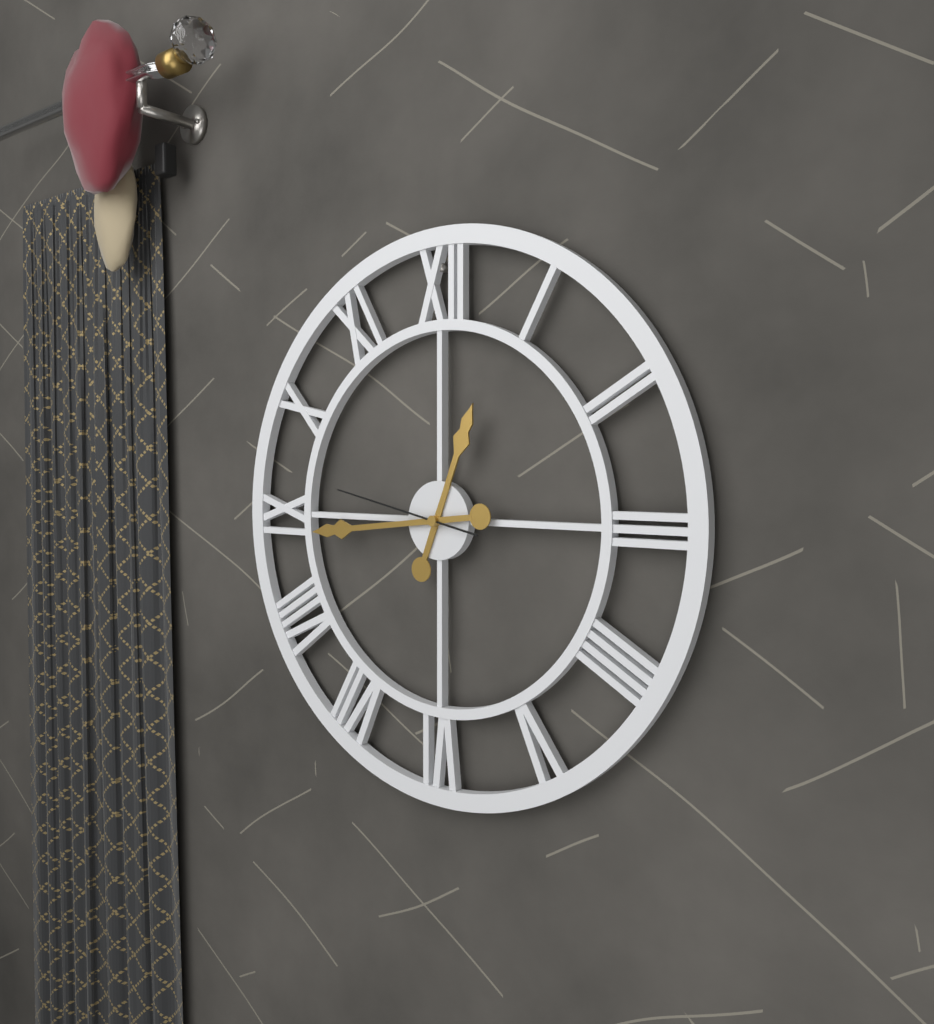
12,44,47
